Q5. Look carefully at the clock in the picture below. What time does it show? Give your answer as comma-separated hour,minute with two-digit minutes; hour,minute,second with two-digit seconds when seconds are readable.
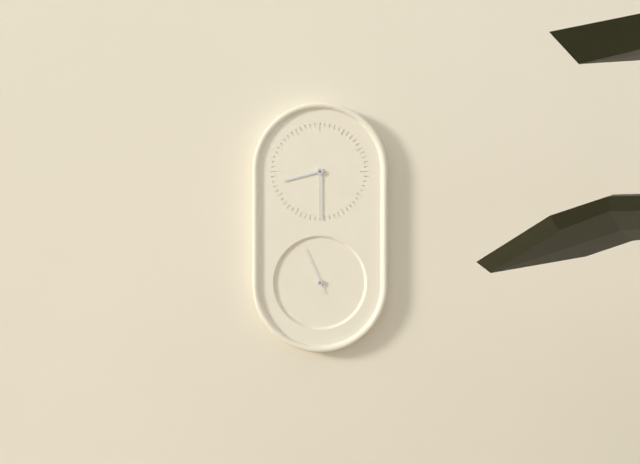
8,30
